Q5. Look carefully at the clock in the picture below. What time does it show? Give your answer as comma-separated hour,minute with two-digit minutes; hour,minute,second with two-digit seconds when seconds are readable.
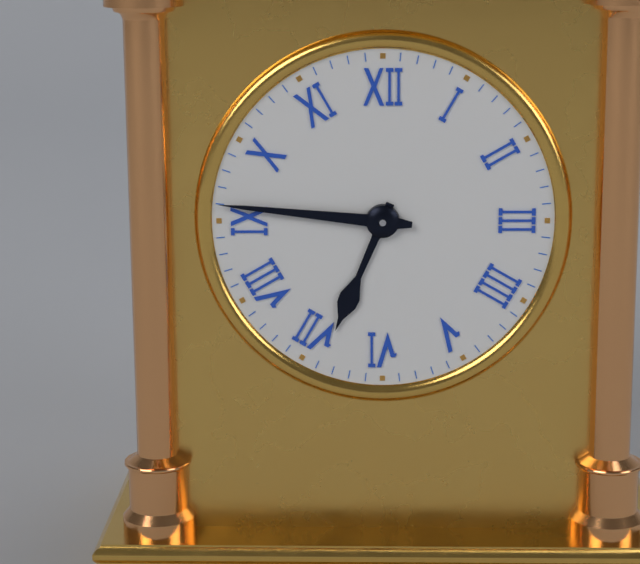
6,46
